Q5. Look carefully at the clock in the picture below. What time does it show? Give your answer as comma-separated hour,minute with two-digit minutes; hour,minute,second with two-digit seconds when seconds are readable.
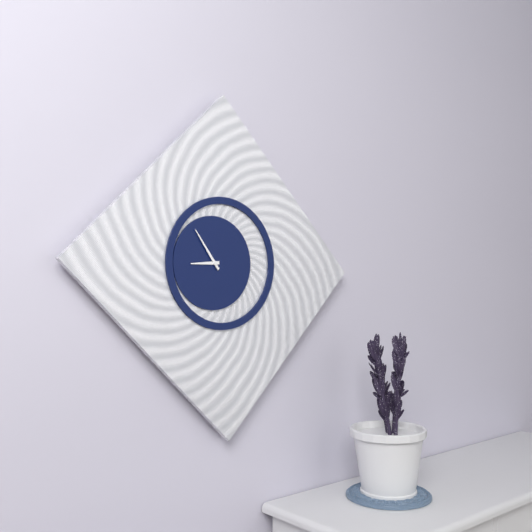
8,54
